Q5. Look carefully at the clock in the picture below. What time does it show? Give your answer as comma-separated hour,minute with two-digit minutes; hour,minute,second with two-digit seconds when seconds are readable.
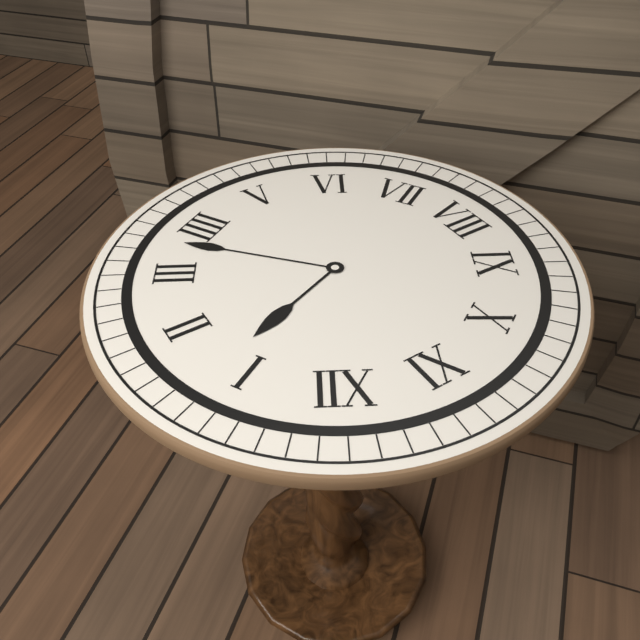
1,18
